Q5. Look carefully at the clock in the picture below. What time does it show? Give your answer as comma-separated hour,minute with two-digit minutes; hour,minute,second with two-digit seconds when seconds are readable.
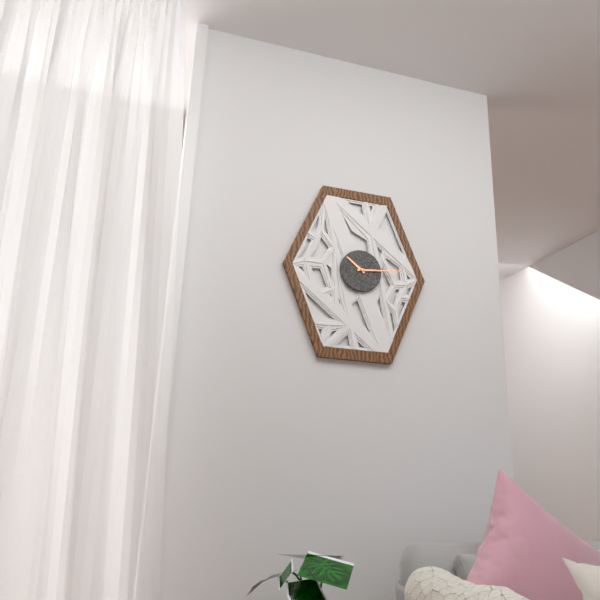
10,14
